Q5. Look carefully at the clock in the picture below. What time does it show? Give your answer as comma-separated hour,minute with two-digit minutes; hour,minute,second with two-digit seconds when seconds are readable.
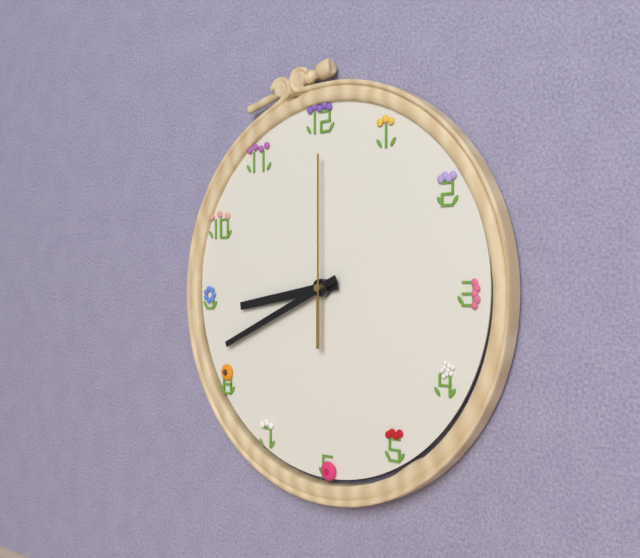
8,41,00
